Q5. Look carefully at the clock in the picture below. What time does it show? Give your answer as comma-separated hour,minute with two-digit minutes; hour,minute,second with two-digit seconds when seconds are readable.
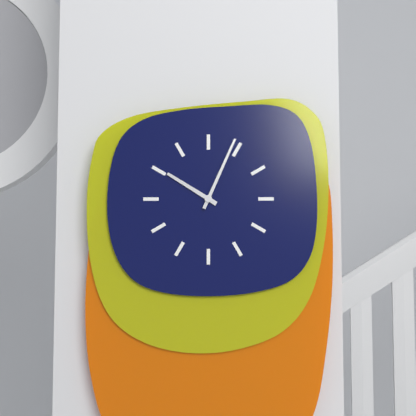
10,04
